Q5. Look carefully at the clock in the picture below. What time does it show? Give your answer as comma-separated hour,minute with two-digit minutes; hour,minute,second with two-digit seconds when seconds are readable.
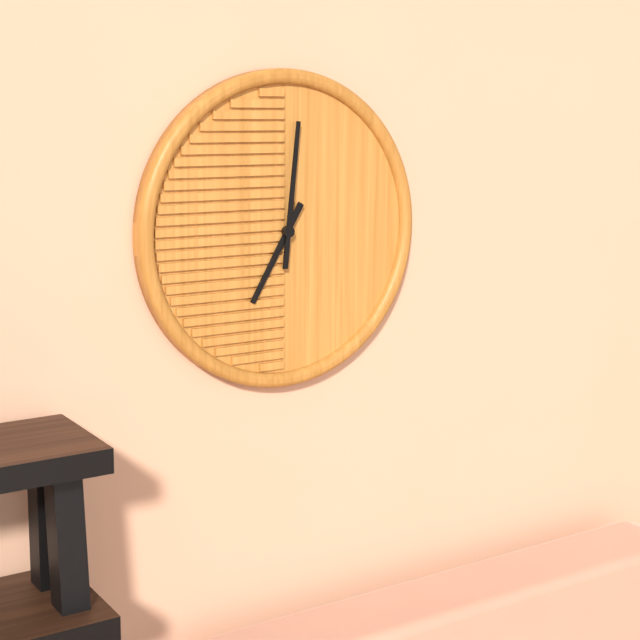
7,01
